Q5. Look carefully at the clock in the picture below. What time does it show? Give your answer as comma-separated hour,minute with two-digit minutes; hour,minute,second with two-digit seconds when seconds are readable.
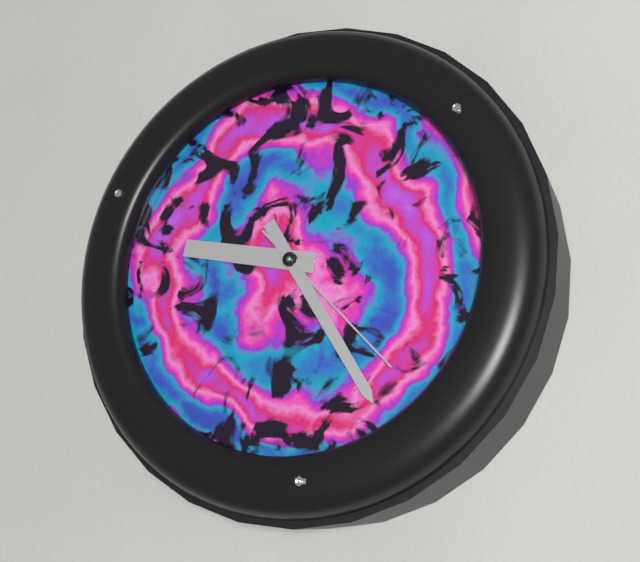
9,25,23
